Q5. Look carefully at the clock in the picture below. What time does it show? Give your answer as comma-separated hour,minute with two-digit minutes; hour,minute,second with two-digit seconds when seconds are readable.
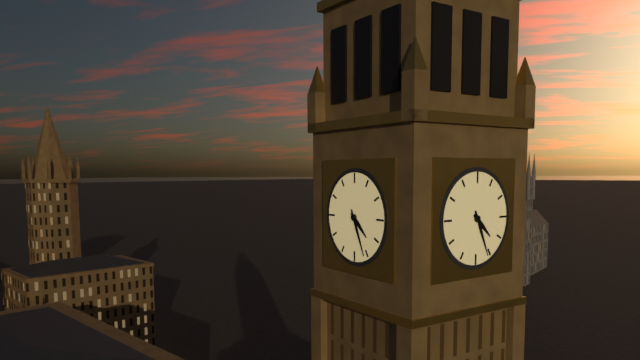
4,26
